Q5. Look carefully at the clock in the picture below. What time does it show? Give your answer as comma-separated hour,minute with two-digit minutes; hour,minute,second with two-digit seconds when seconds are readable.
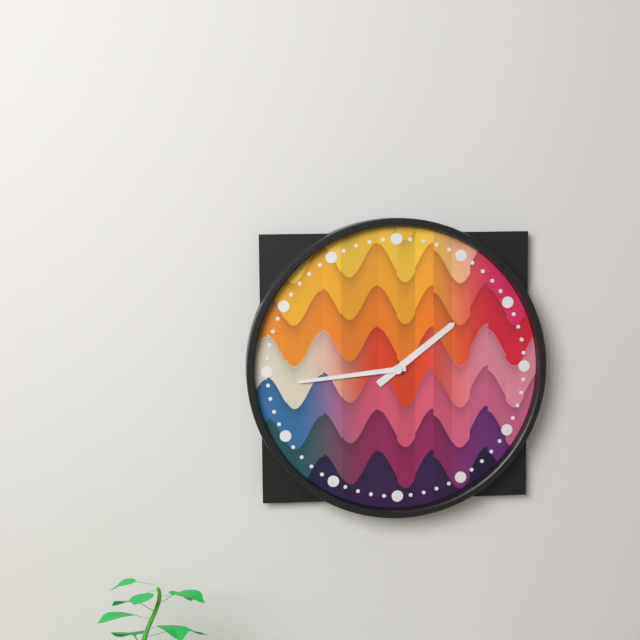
1,44
